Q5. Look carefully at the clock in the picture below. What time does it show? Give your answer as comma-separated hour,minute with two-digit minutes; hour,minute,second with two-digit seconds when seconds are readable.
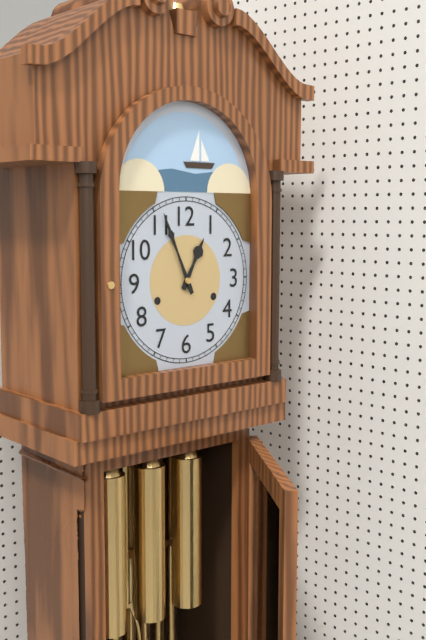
12,56
